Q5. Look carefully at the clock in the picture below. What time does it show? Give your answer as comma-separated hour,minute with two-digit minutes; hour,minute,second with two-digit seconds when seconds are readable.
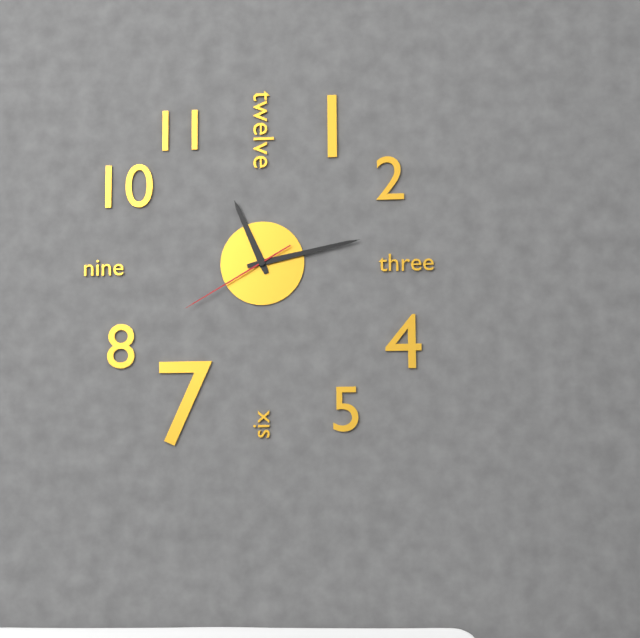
11,13,40
